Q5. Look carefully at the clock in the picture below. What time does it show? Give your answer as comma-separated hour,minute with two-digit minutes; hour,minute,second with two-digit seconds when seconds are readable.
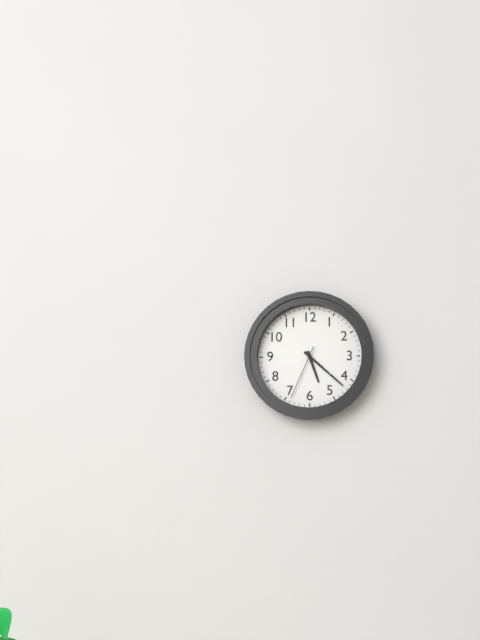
5,22,34
